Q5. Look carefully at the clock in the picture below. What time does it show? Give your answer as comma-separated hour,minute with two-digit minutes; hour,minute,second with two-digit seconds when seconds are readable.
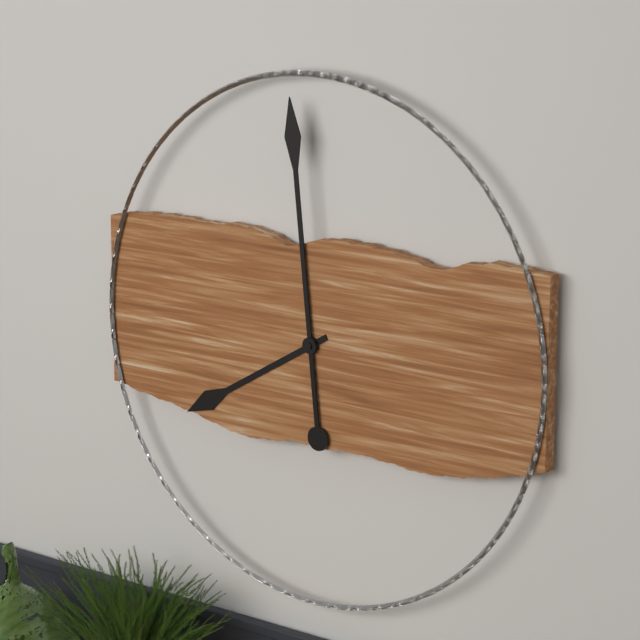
7,59
